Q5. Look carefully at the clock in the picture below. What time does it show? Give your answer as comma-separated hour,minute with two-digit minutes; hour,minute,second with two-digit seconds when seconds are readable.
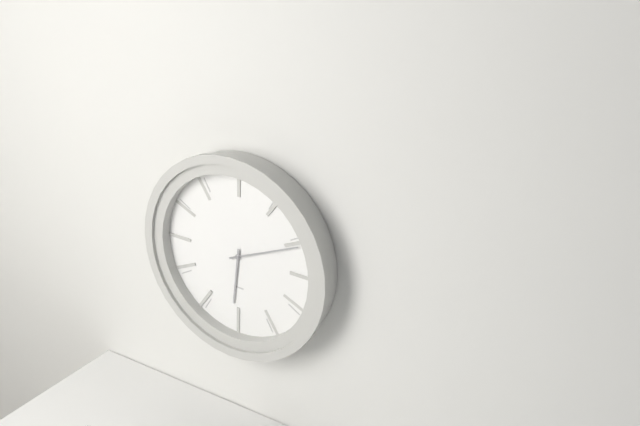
6,11
